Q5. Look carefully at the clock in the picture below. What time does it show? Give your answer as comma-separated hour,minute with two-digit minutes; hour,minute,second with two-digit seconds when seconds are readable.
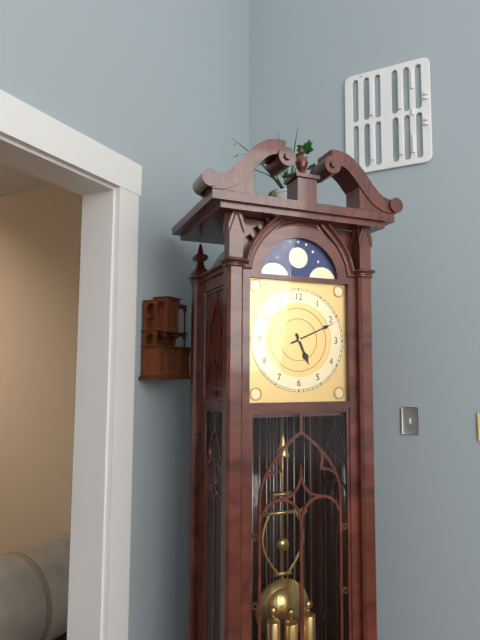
5,11
